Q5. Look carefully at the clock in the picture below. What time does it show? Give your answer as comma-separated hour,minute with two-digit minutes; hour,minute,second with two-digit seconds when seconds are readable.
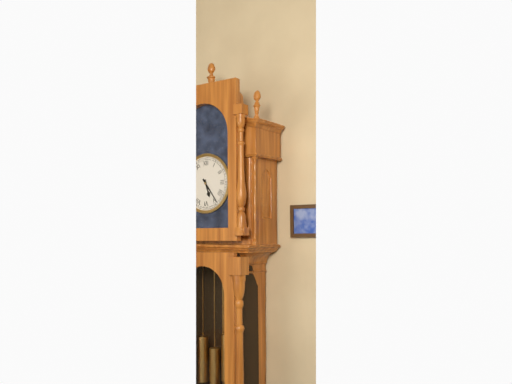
5,24
